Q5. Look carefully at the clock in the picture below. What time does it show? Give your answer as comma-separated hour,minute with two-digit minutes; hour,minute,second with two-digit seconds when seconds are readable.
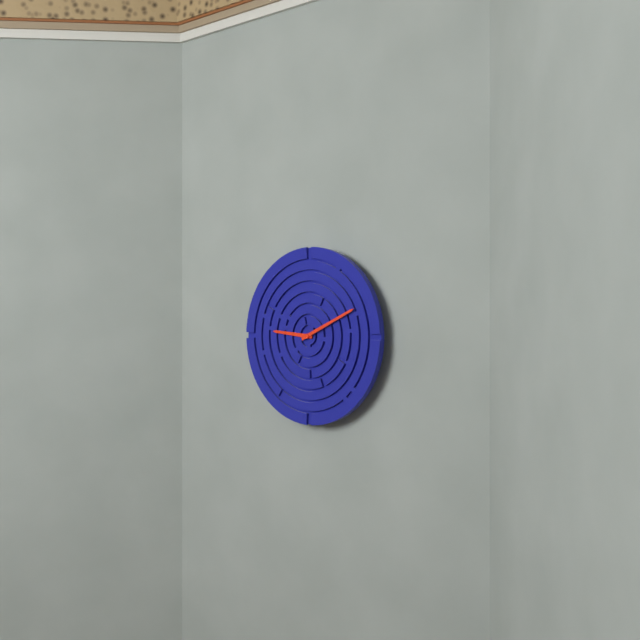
9,11
